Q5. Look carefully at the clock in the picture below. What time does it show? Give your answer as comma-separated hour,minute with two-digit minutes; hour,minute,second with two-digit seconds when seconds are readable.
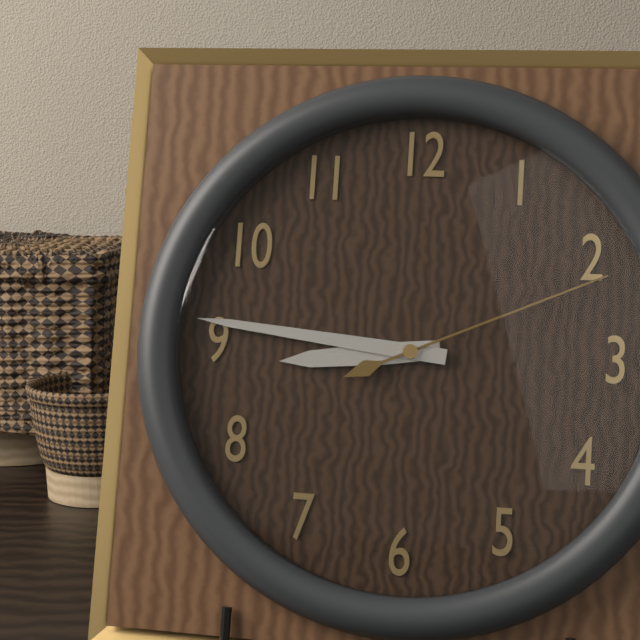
8,46,11
